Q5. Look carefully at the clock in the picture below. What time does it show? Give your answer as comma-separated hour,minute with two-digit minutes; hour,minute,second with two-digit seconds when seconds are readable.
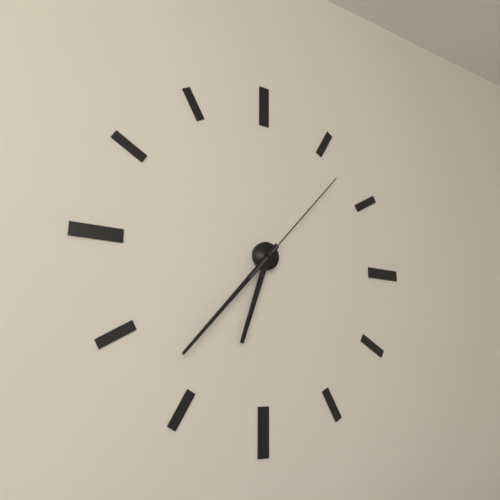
6,37,07
